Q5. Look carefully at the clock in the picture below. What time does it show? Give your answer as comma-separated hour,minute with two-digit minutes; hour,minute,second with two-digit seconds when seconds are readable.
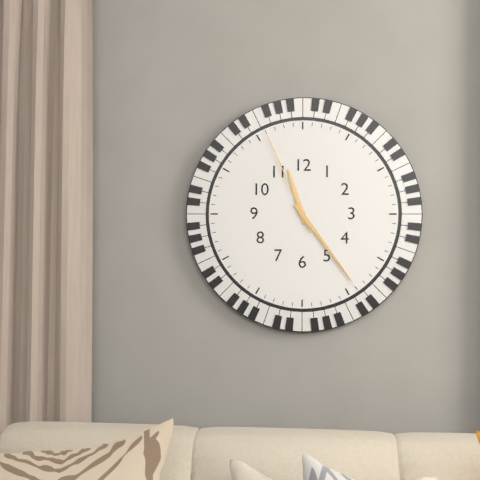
11,24,56
